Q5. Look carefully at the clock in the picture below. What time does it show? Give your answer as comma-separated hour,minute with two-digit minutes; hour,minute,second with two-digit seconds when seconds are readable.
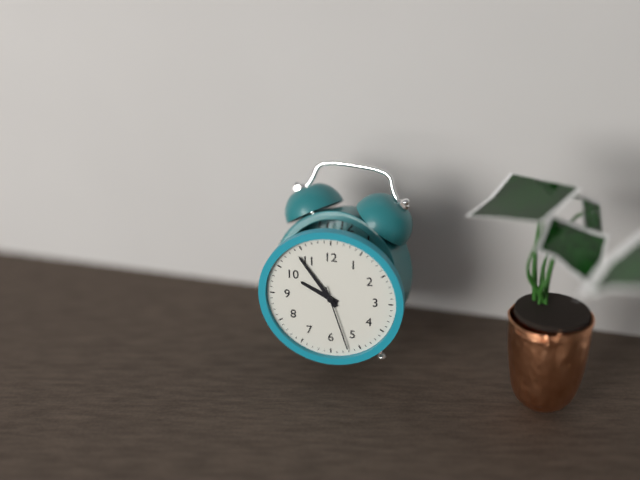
9,54,27
